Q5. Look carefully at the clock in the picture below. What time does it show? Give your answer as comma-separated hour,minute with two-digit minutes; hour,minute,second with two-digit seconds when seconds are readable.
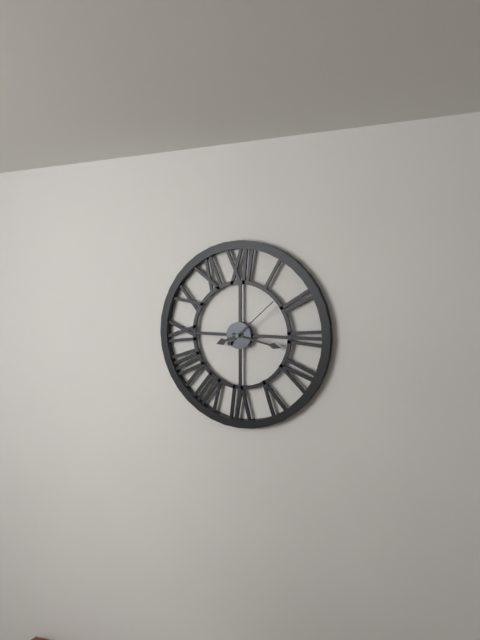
8,17,08
